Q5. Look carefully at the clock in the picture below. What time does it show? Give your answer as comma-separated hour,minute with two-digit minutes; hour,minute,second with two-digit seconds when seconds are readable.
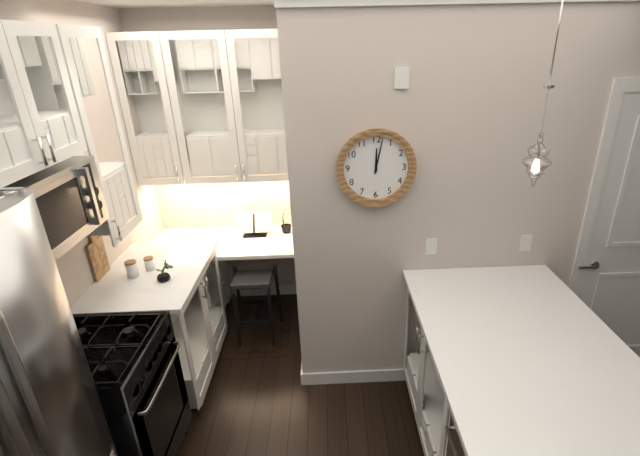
12,02
